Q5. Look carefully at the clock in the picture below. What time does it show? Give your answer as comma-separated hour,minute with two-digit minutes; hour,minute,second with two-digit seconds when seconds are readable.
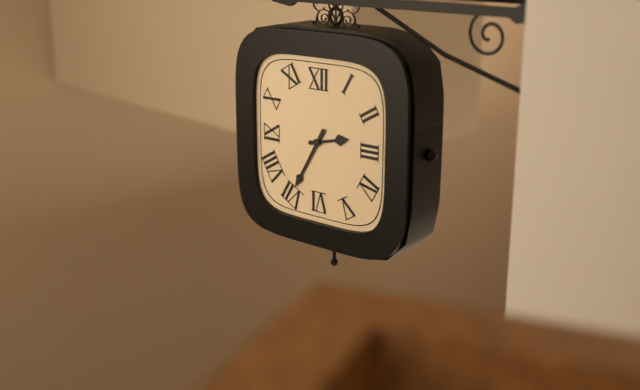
2,35
